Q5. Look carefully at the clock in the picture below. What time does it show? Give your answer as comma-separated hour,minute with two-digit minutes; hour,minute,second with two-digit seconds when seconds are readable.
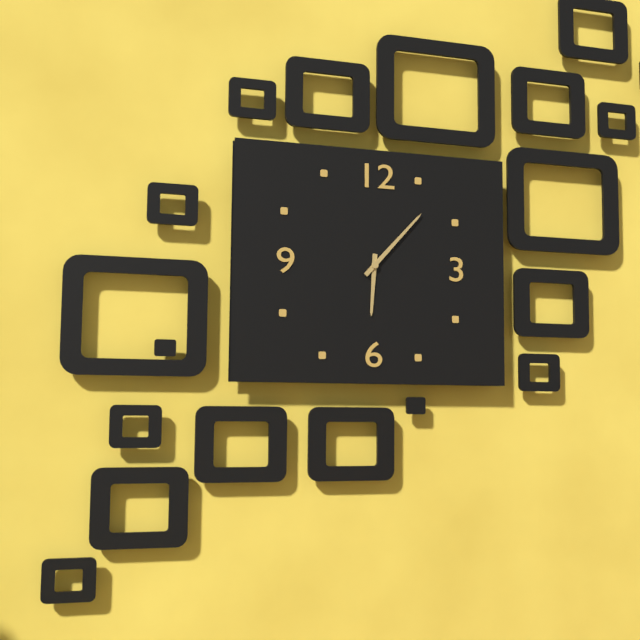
6,07
